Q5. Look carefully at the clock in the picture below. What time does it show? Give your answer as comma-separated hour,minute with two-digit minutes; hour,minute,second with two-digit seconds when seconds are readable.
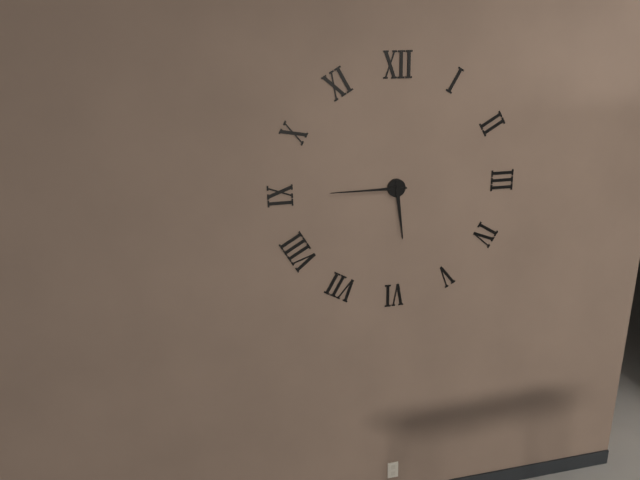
5,45
